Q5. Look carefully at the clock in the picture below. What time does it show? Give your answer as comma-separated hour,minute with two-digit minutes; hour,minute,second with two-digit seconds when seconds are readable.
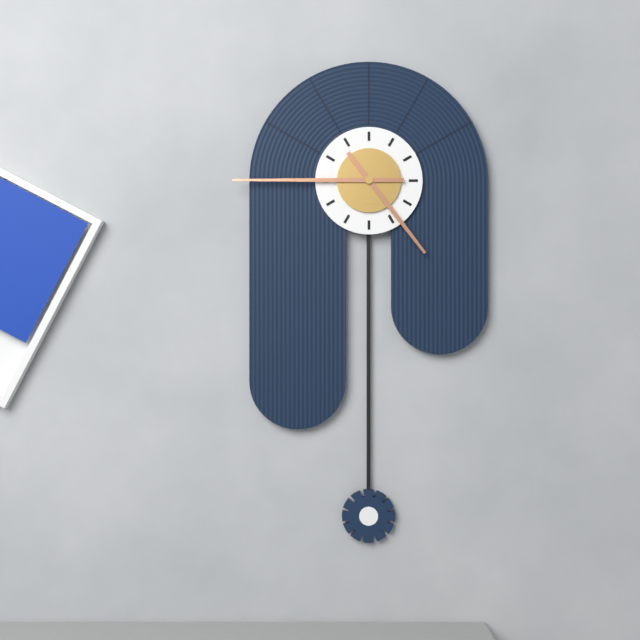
4,45
